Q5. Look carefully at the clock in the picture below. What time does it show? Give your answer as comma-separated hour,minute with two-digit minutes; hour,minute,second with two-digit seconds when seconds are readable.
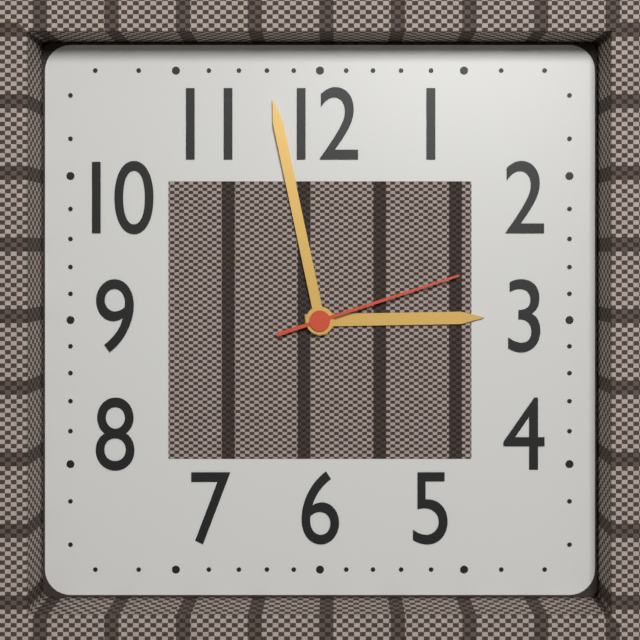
2,58,12
